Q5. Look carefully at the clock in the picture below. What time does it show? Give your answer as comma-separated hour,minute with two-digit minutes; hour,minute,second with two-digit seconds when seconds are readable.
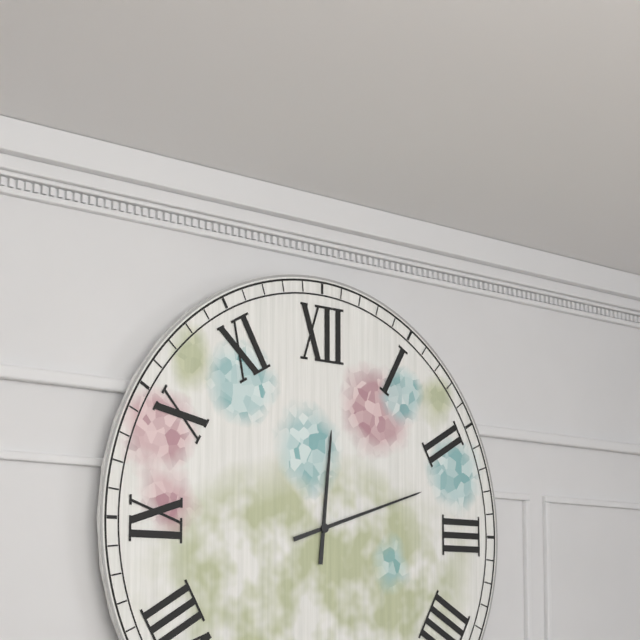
12,12
